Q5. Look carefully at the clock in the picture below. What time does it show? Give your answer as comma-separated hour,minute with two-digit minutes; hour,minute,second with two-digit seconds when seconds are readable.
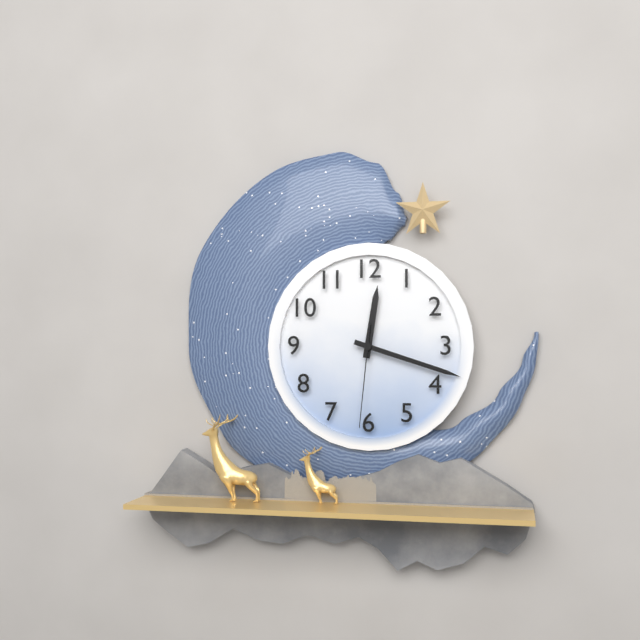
12,18,31
